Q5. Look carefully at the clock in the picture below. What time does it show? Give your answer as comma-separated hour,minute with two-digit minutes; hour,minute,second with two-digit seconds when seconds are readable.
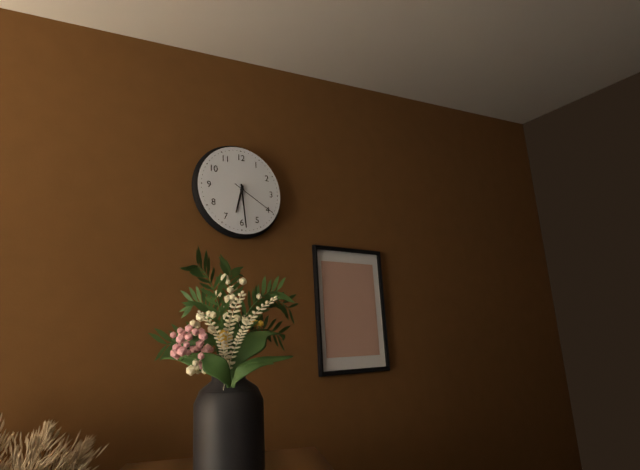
6,29
